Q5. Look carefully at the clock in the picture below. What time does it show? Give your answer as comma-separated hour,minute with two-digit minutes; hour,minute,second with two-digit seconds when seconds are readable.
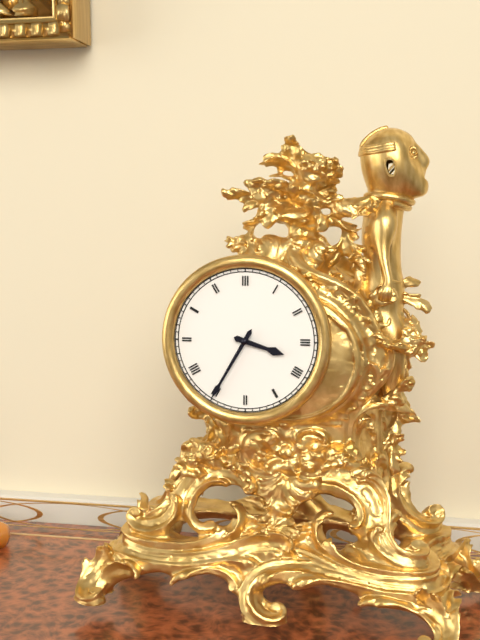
3,35
